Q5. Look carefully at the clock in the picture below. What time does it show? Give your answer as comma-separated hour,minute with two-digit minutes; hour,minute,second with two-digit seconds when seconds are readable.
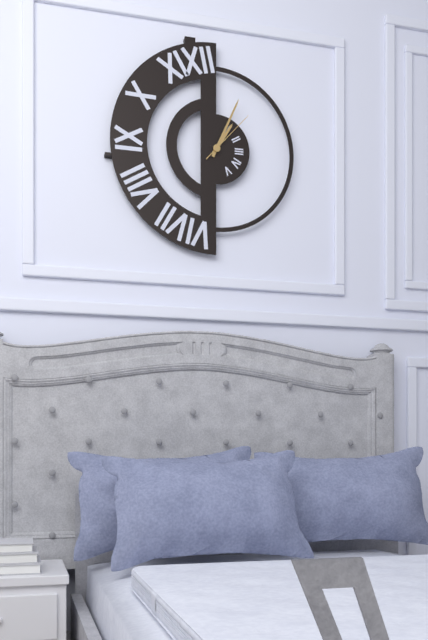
1,04,07
